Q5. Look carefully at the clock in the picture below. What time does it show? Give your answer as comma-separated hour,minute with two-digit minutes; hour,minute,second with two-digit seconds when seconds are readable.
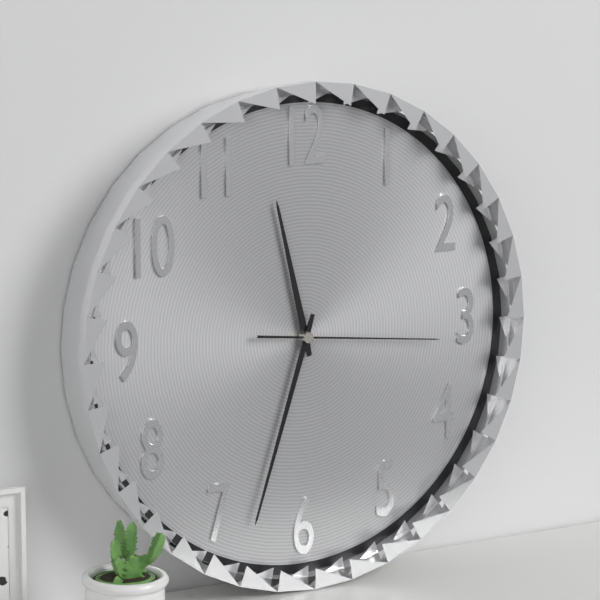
11,33,16
